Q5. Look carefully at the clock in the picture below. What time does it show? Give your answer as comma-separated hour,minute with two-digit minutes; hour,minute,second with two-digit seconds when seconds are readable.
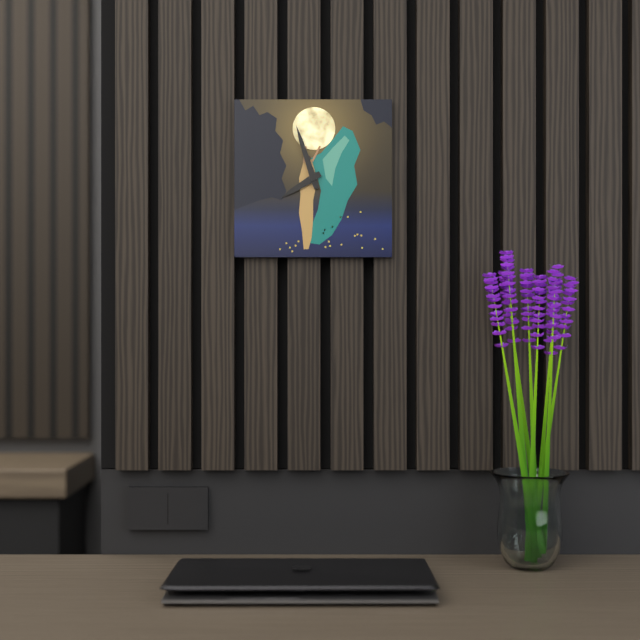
7,57
